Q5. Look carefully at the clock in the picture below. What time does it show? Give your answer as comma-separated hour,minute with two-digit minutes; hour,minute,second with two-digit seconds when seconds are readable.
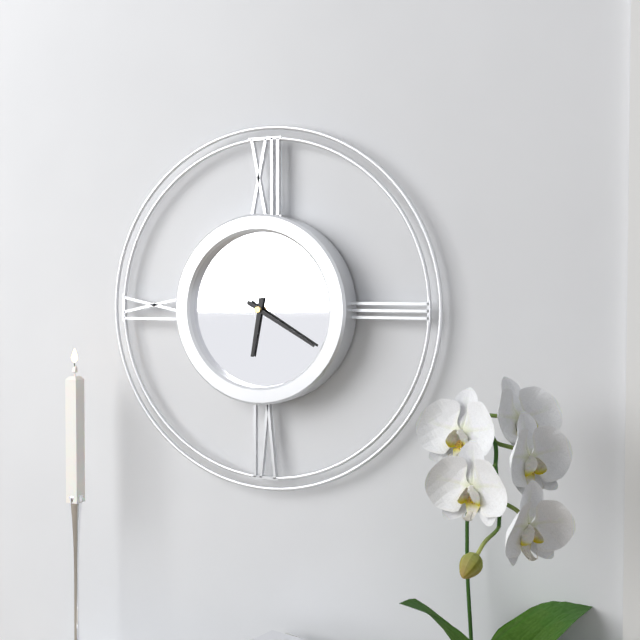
6,20
